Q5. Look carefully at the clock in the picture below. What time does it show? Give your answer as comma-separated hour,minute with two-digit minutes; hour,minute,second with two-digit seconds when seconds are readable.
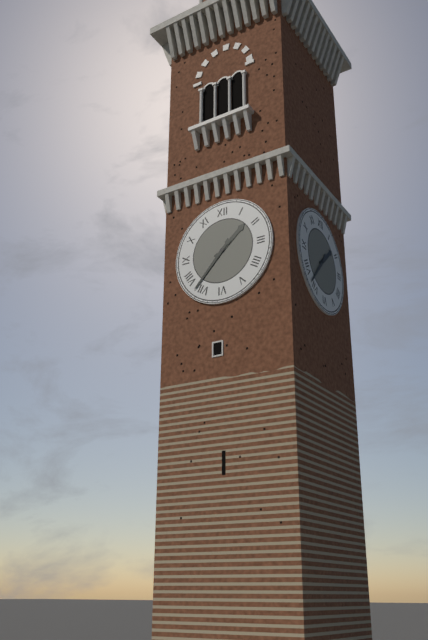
1,37
